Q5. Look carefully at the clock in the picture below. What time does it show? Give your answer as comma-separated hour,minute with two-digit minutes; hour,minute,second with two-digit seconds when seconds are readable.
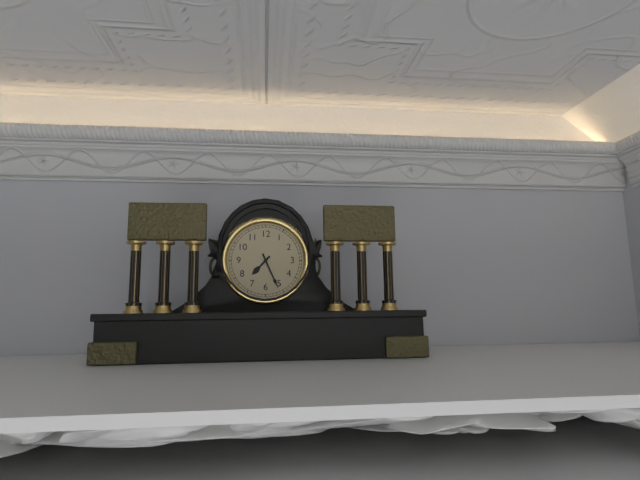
7,26
